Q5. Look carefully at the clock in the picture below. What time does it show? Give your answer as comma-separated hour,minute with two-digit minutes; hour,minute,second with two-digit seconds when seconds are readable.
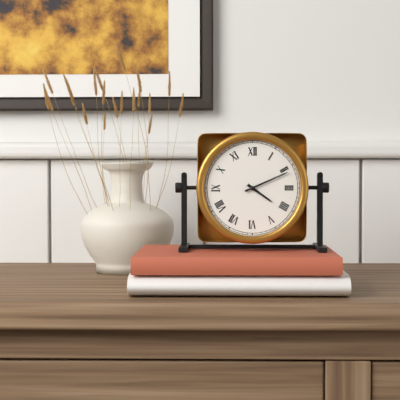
4,11
